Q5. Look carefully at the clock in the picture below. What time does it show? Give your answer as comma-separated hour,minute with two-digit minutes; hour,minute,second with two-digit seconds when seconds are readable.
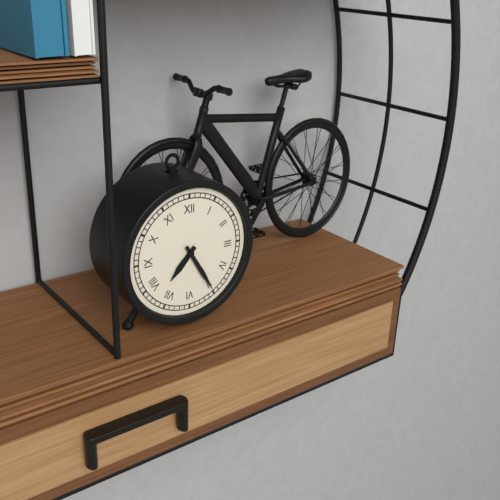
7,25
